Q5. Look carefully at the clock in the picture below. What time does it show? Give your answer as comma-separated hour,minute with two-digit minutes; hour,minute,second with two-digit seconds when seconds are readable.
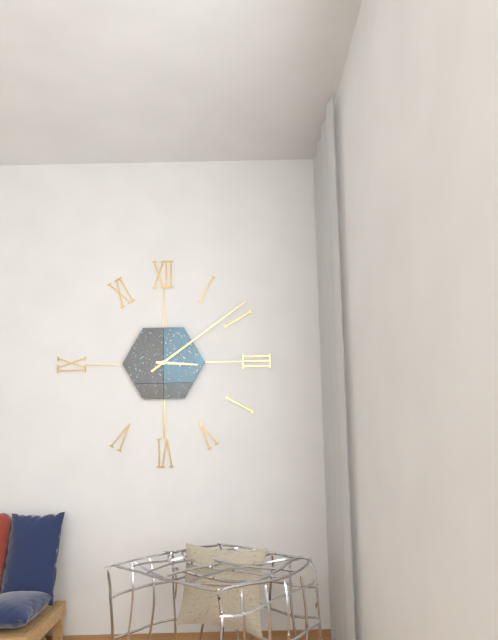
3,09
